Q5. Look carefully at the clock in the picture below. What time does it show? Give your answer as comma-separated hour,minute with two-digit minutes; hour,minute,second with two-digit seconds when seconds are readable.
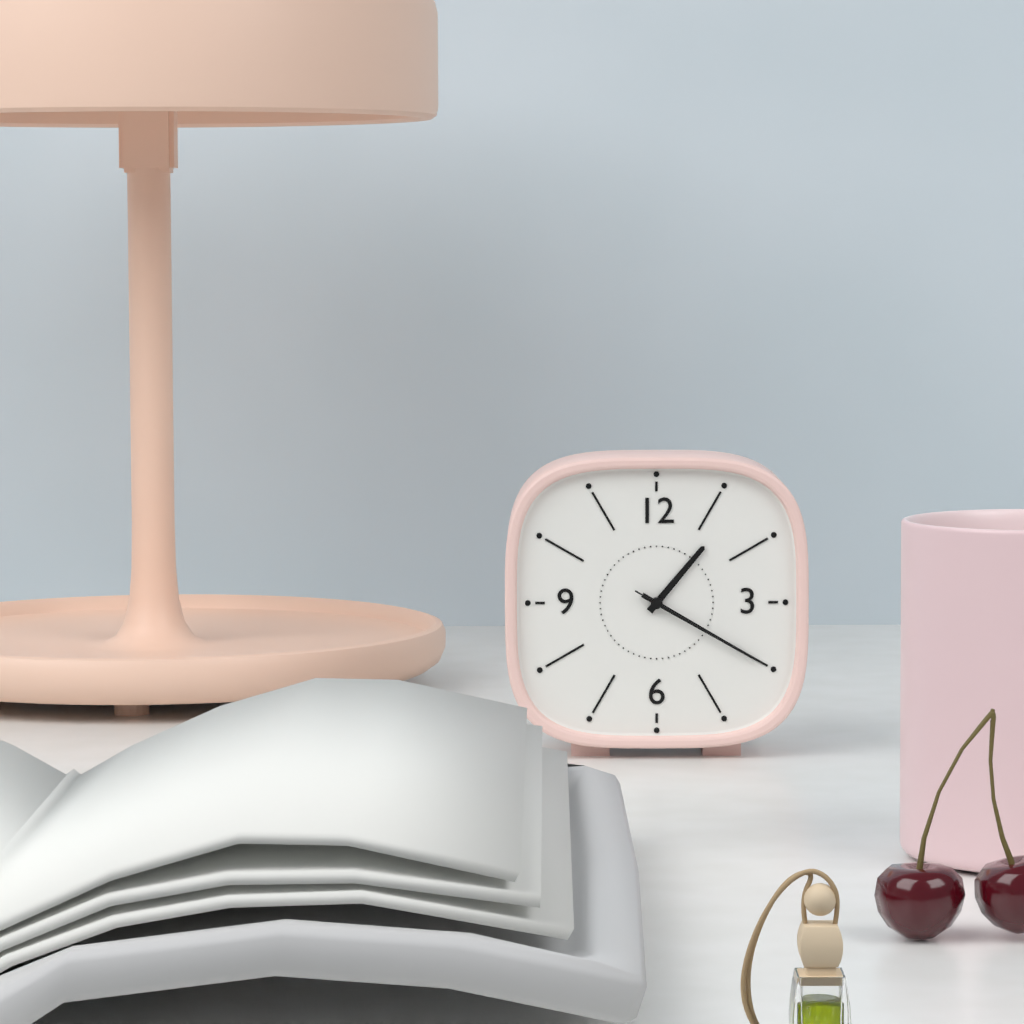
1,20,20
